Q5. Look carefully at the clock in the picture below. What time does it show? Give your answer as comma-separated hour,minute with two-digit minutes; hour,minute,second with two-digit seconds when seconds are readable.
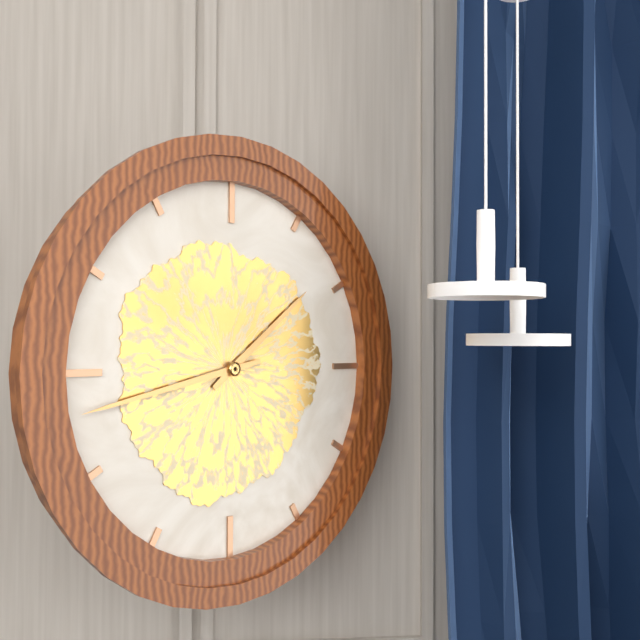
1,43
